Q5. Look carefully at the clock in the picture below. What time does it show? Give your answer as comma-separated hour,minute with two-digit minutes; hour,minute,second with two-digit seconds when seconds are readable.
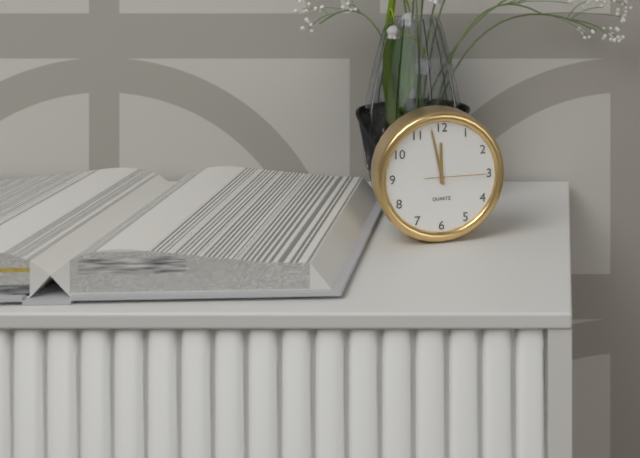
11,58,15
